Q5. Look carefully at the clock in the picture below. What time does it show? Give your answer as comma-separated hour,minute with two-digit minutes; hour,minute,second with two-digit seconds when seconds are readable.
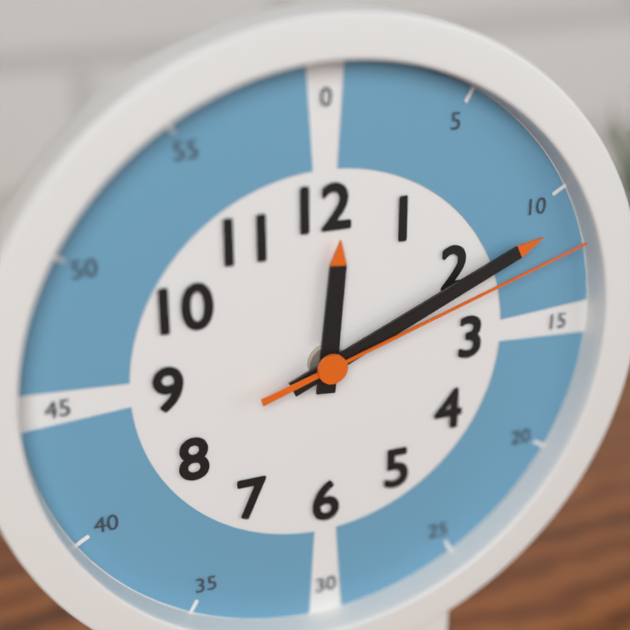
12,11,12
